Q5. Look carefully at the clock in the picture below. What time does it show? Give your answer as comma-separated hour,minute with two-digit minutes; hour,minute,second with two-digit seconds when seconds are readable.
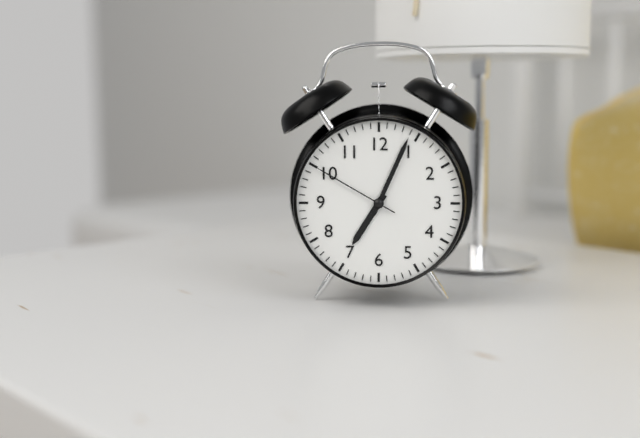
7,04,50
